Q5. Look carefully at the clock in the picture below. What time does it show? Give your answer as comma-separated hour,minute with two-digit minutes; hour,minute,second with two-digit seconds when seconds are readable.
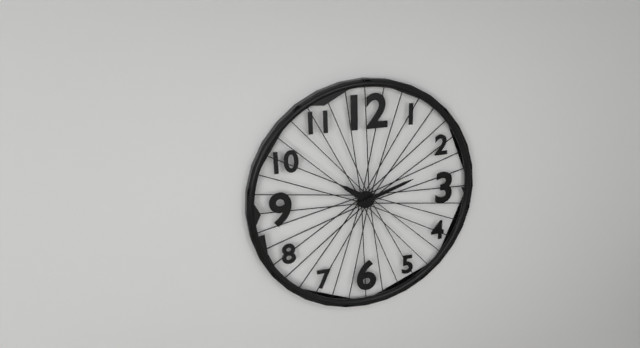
10,12
